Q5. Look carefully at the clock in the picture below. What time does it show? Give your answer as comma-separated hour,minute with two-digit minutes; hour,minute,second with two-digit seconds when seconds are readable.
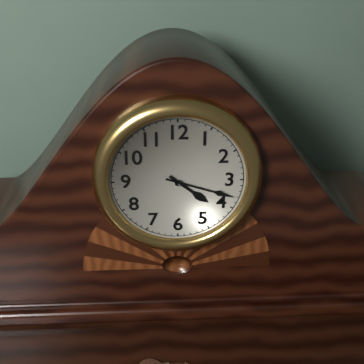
4,18
